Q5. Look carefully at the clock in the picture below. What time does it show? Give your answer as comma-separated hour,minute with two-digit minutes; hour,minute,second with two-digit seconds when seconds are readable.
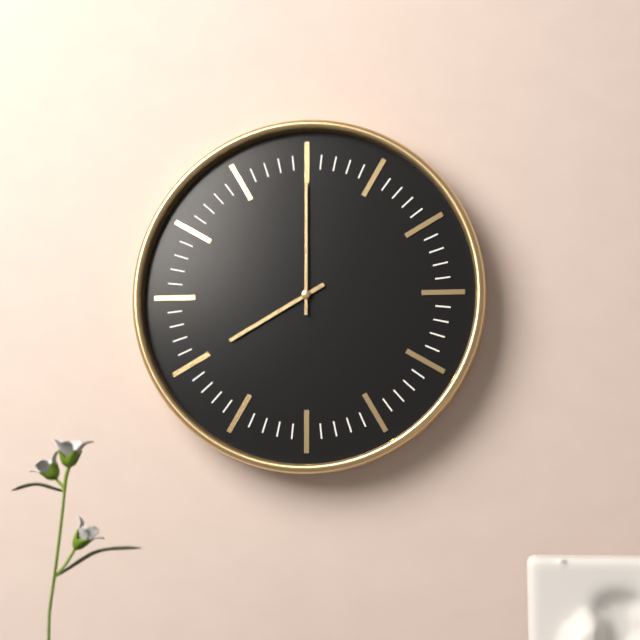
8,00
